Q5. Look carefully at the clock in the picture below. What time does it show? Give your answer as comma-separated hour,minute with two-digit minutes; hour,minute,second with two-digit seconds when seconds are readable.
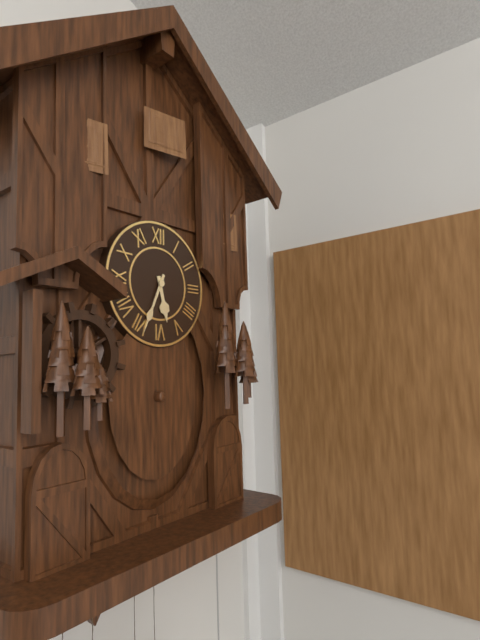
5,34
